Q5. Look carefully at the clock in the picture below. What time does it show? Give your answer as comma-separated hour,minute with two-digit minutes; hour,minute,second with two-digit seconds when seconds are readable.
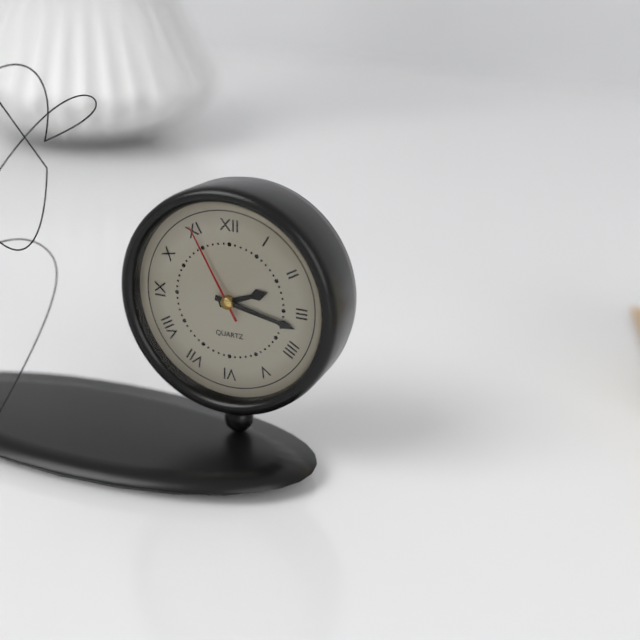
2,17,55
